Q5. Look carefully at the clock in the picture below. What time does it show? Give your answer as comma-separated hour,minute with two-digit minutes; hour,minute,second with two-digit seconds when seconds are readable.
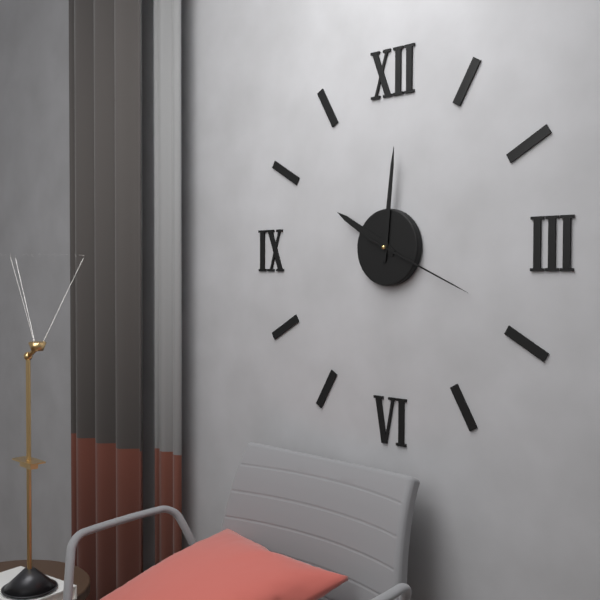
10,01,19
